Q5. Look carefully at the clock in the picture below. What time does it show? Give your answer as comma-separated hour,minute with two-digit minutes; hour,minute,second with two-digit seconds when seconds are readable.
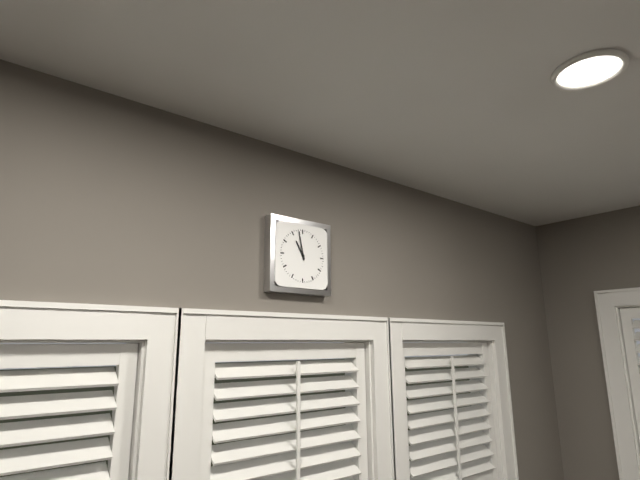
10,58
